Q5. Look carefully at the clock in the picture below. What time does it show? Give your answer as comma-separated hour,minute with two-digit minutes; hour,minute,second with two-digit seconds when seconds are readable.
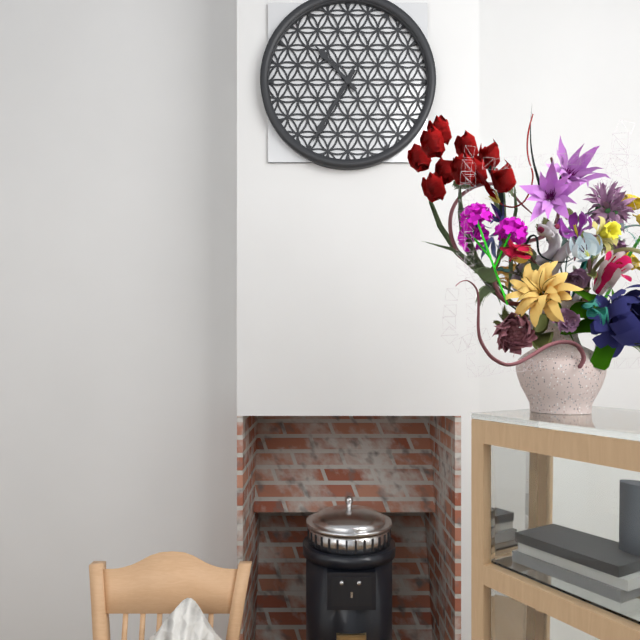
10,35
